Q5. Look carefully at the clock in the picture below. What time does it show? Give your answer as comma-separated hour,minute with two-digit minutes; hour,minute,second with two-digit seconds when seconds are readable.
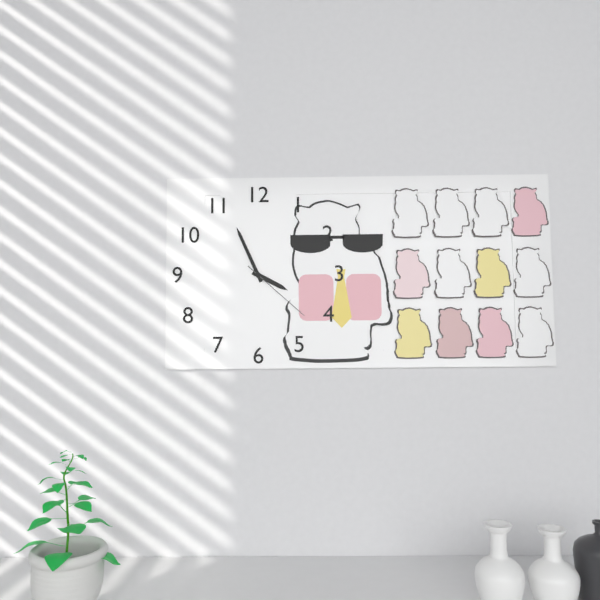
3,56,22
